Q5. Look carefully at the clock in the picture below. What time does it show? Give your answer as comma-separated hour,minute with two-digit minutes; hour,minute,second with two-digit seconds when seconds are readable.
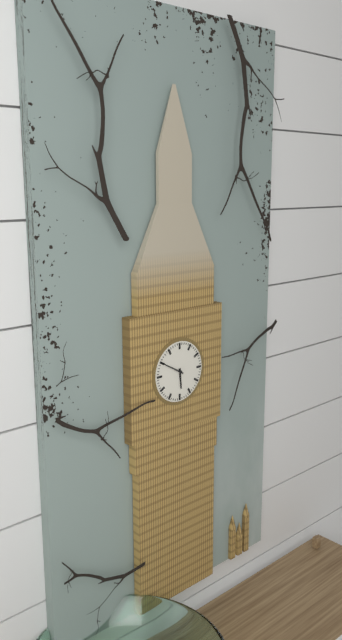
5,50
